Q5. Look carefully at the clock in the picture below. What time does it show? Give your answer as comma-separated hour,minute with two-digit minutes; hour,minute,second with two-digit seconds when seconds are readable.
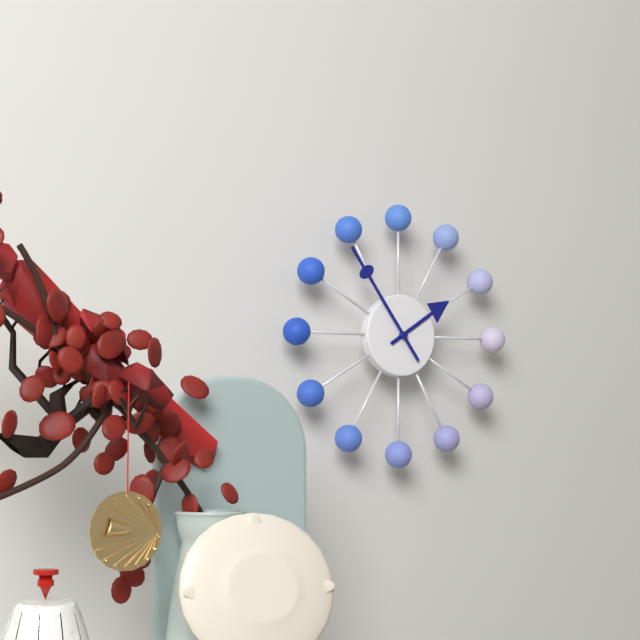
1,54
